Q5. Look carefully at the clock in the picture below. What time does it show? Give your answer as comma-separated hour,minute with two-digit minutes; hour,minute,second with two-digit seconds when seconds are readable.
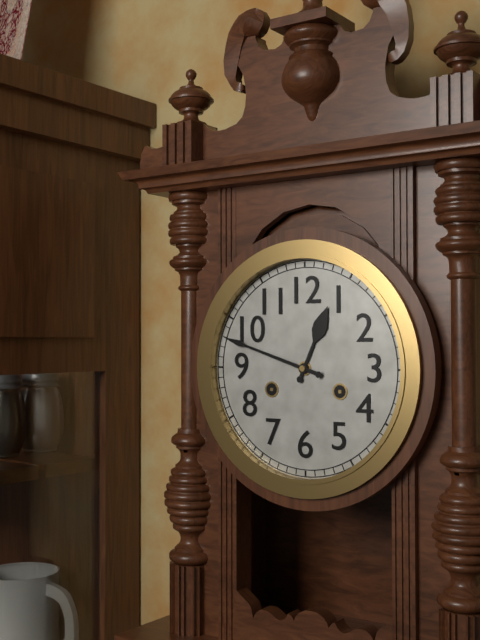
12,48
